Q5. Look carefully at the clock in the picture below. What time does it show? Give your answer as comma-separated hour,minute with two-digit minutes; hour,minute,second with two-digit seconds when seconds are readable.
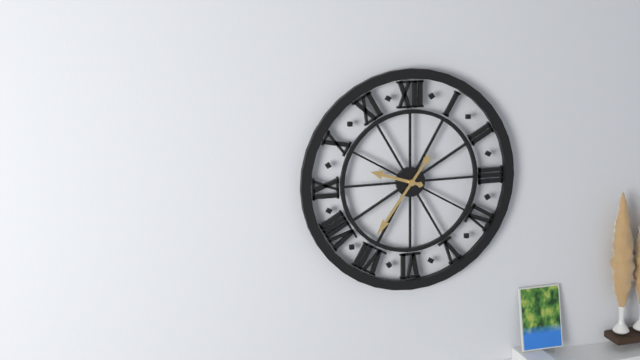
9,36
